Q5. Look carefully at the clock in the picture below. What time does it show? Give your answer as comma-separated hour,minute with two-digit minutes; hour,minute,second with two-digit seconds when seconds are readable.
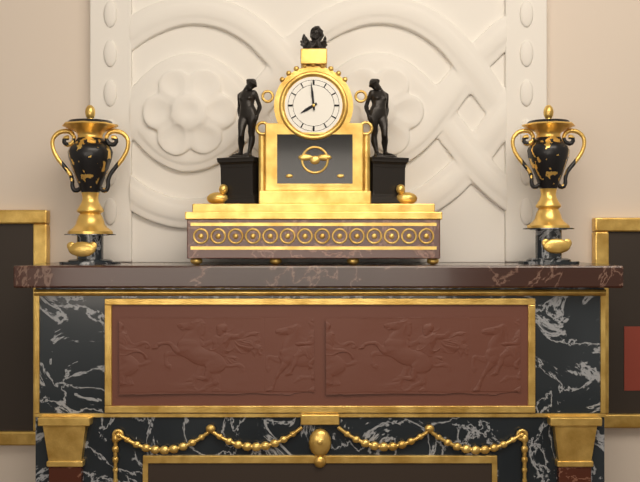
7,59
